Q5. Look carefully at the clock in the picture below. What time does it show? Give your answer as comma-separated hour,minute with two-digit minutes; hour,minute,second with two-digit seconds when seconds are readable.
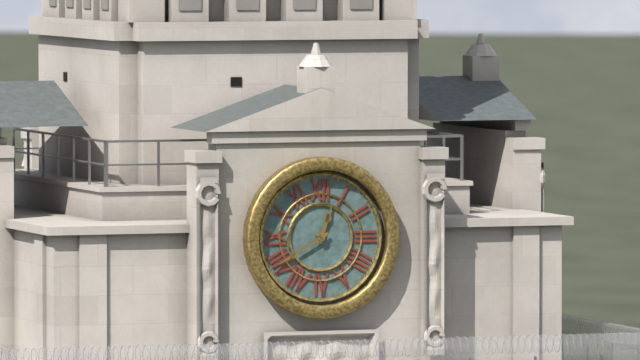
12,40
